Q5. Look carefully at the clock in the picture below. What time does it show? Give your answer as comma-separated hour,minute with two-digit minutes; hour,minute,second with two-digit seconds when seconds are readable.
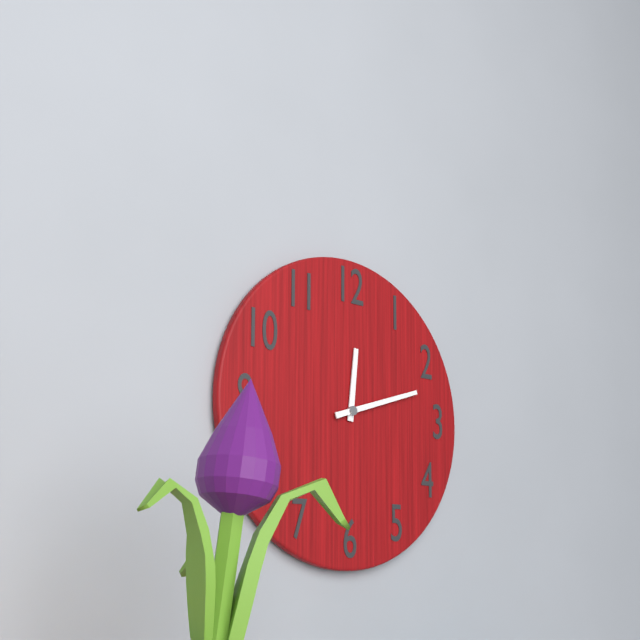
12,12
